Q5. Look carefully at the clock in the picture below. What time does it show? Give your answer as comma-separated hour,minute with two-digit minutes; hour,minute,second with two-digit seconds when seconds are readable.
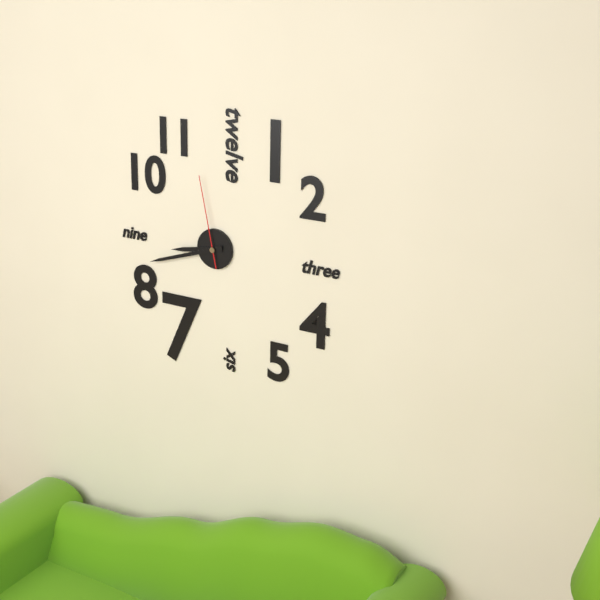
8,42,58
